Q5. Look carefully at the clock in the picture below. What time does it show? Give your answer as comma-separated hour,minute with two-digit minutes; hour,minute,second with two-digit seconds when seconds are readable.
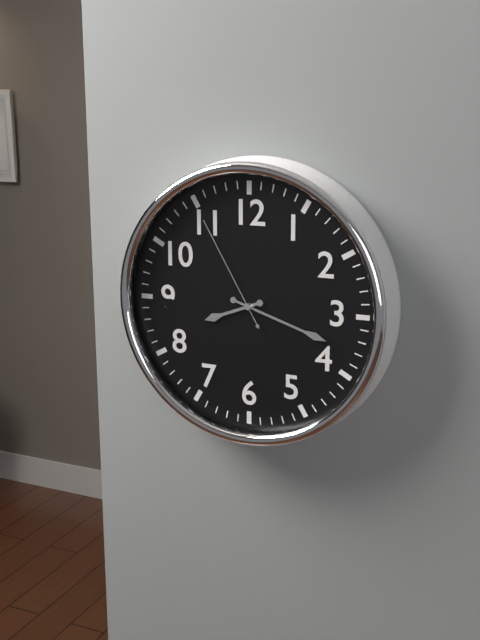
8,18,55
